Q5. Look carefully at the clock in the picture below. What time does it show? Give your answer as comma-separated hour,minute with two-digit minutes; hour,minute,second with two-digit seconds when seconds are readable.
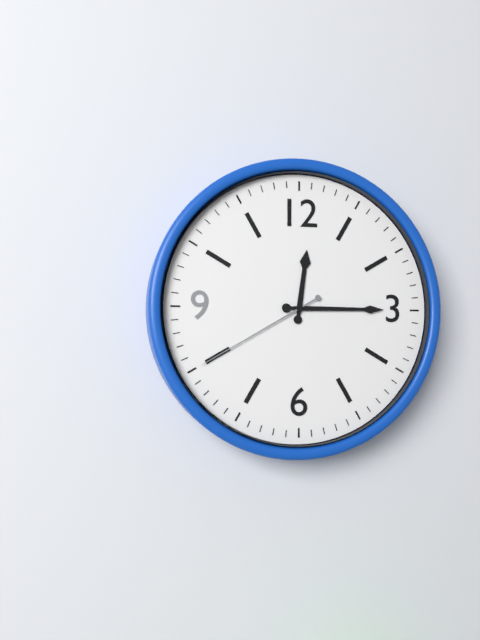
12,15,40
